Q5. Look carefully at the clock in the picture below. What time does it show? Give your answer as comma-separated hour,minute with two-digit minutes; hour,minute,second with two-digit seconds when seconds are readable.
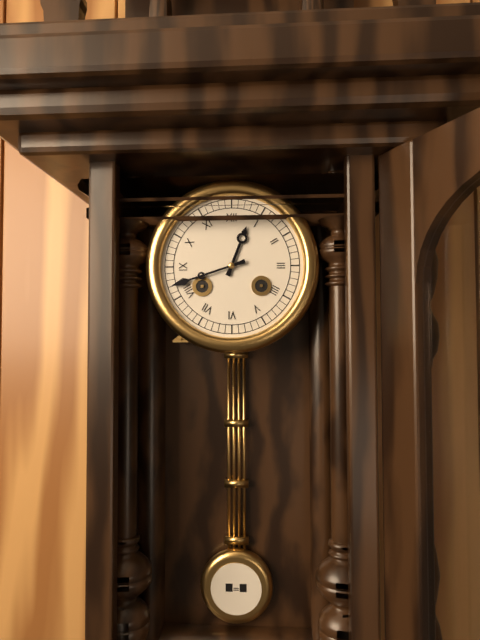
12,42
